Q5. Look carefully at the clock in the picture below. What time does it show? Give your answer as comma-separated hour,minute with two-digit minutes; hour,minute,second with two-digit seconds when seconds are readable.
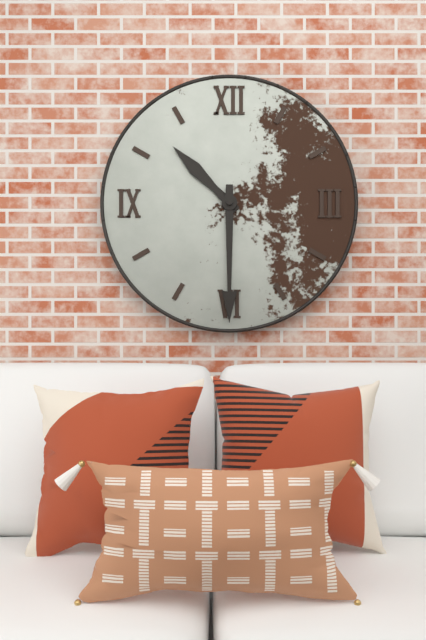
10,30
